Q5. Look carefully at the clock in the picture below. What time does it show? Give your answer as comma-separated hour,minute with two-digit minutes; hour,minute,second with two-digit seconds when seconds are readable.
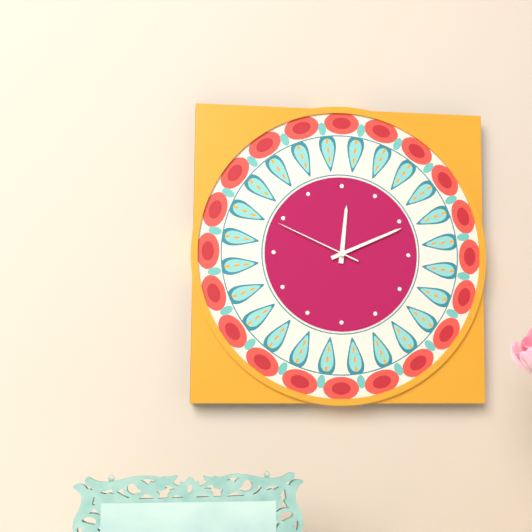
12,11,49
